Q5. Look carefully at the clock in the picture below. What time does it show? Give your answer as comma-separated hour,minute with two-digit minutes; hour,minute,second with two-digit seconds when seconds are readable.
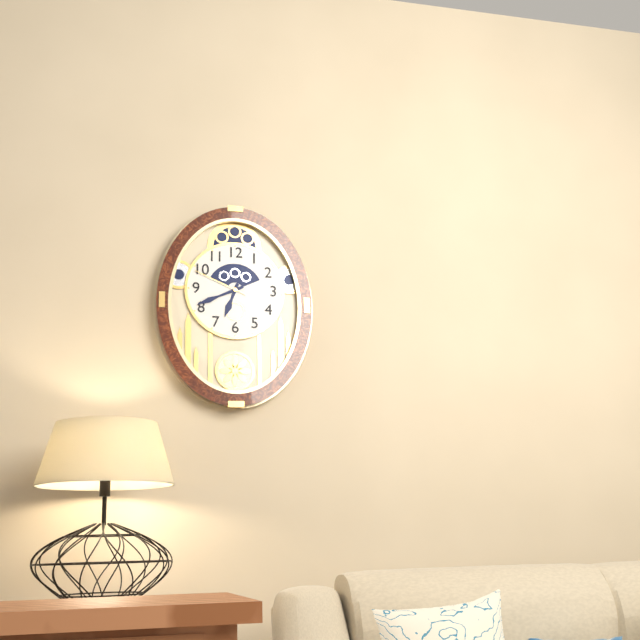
6,41,49
